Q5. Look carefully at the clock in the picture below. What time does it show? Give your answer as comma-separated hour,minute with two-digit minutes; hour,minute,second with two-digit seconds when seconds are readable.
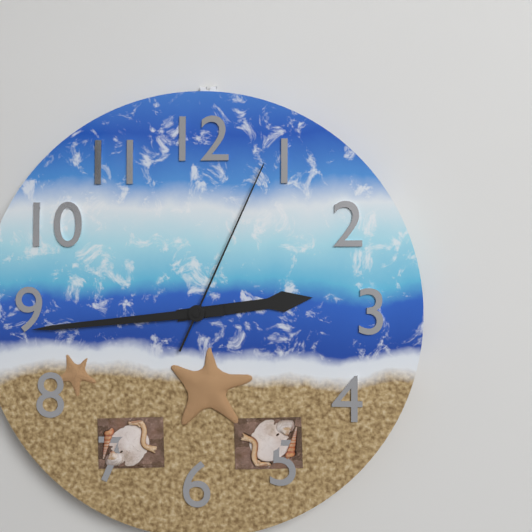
2,44,04
